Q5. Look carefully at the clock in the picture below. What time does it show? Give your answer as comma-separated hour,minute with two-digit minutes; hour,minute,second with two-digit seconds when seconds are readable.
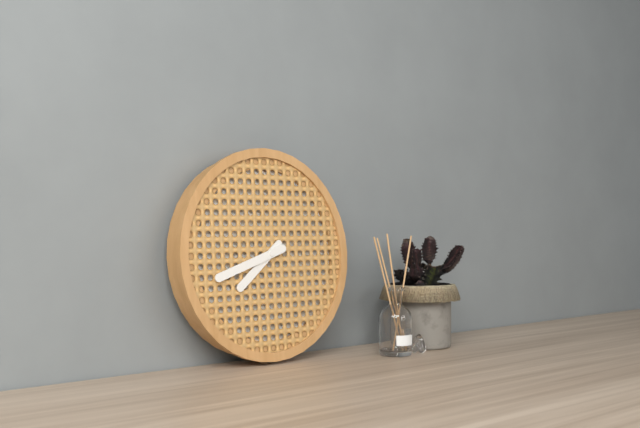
7,42
